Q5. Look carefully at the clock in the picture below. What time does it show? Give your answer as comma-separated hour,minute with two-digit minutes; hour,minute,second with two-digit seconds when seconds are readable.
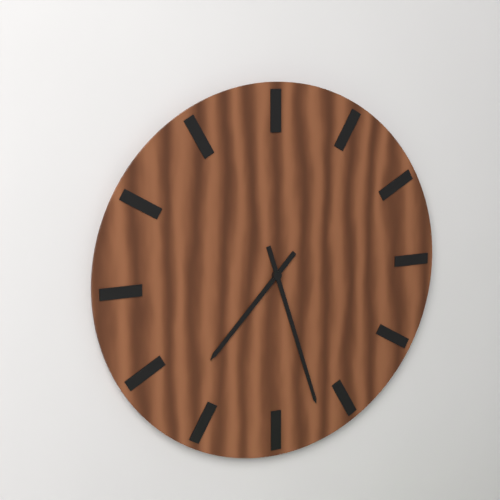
7,27
